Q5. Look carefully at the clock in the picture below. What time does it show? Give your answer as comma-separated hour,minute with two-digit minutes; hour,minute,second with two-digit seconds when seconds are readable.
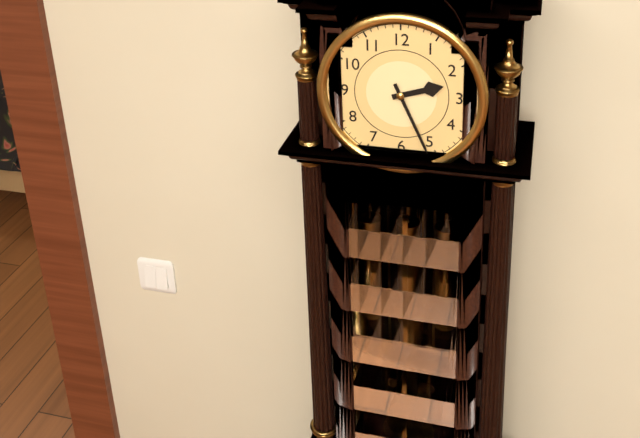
2,26
